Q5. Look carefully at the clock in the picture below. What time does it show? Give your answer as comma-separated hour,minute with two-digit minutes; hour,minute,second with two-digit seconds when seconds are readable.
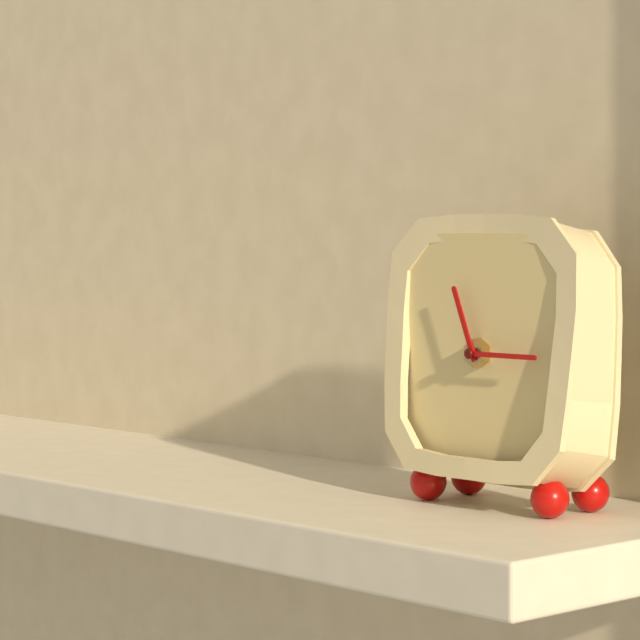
11,15
